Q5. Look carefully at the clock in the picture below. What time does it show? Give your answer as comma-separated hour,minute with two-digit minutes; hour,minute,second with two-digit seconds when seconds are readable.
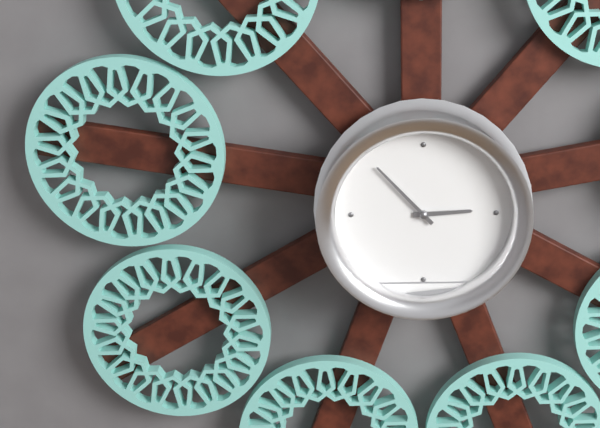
2,53
